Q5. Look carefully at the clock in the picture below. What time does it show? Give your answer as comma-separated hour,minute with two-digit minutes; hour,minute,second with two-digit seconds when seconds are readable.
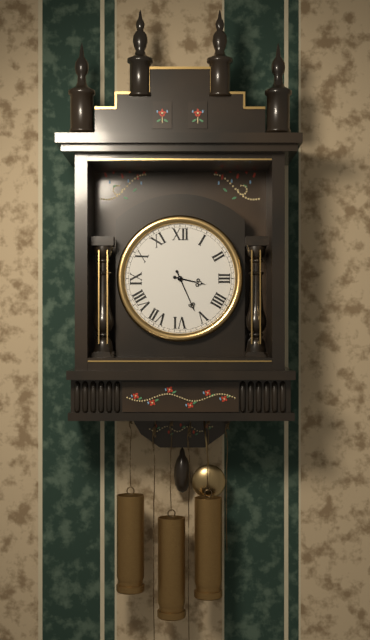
3,26
